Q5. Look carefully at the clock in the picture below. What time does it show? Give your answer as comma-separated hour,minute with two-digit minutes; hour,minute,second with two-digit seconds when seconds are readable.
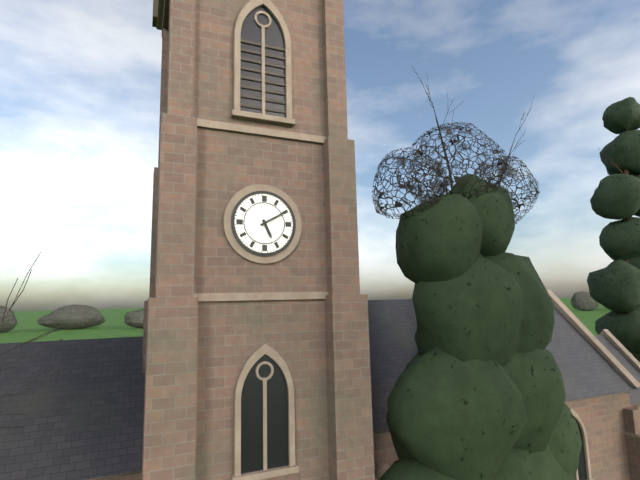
5,10
